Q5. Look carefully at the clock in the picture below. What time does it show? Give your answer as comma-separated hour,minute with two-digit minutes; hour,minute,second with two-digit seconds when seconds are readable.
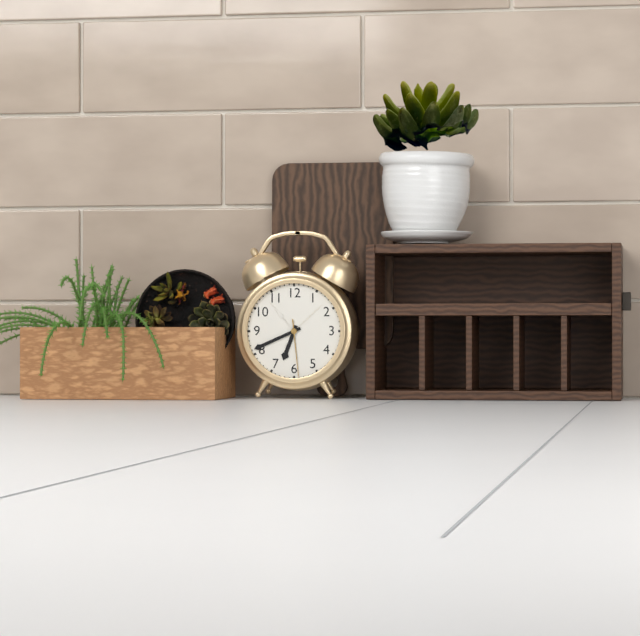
6,41,29
